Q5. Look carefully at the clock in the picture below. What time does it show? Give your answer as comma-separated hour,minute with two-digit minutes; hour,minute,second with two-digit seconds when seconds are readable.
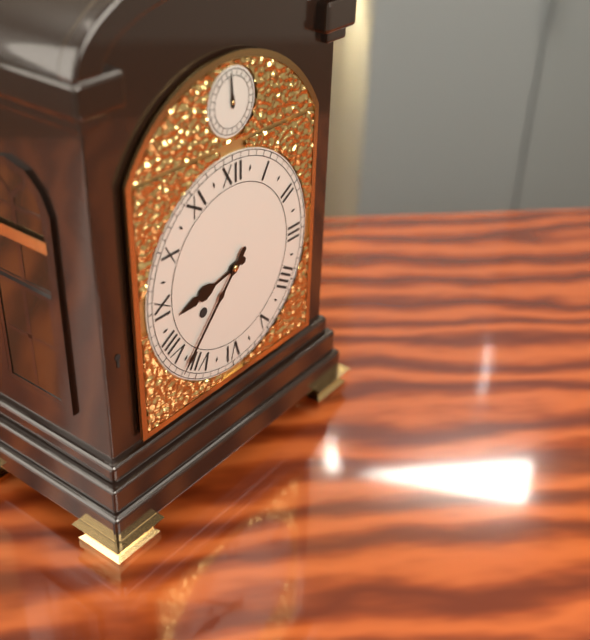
8,37
